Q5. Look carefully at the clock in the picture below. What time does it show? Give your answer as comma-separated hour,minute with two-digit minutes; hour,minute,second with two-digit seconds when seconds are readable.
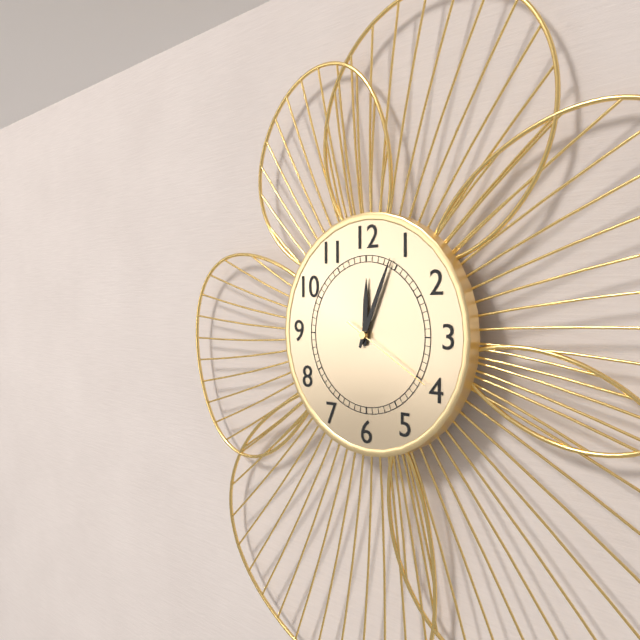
12,04,20
